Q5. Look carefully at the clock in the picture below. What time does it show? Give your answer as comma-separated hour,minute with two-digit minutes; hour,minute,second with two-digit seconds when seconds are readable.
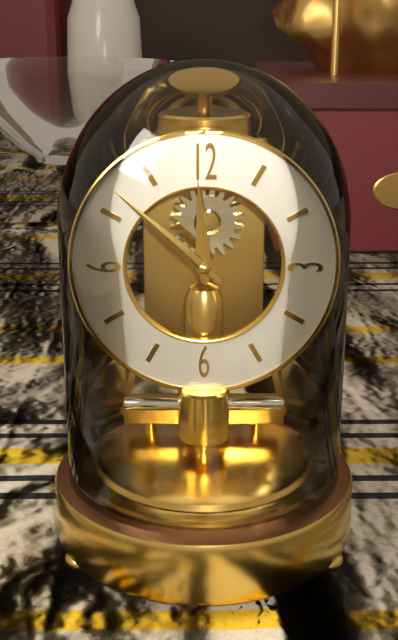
11,52
